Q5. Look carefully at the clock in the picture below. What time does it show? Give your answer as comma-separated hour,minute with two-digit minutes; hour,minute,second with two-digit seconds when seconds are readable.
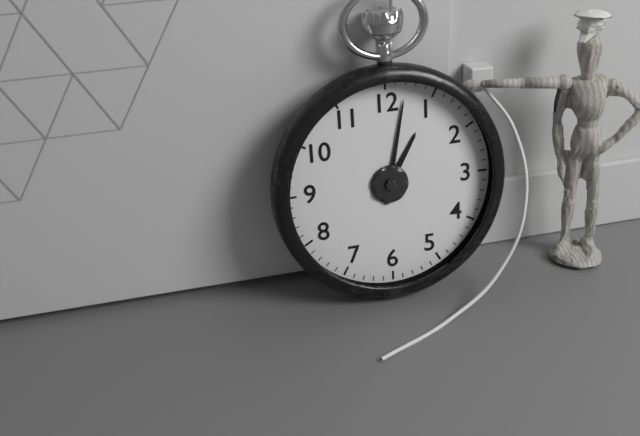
1,02
